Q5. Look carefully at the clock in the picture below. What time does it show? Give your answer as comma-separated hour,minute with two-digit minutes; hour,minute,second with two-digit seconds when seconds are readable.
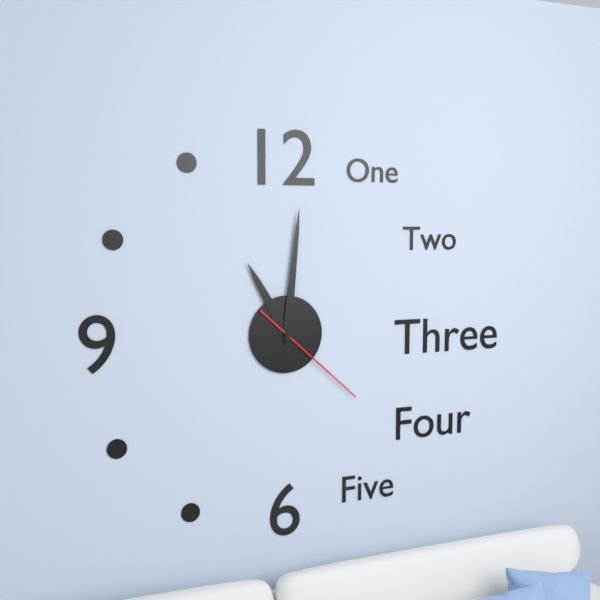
11,01,22
